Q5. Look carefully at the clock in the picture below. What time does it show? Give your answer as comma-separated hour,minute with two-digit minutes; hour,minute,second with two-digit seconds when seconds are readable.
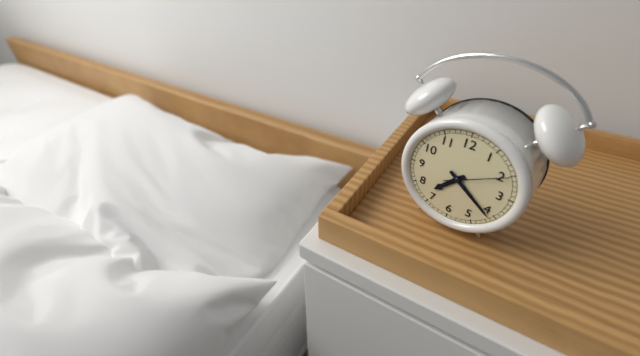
7,21,10
